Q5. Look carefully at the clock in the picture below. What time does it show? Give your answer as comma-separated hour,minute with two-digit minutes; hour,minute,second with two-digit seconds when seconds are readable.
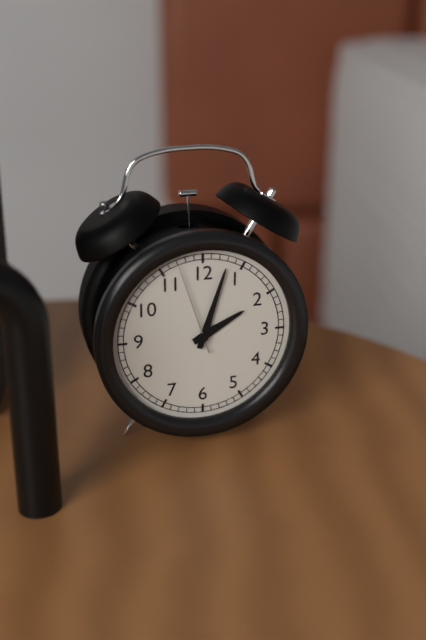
2,03,57
